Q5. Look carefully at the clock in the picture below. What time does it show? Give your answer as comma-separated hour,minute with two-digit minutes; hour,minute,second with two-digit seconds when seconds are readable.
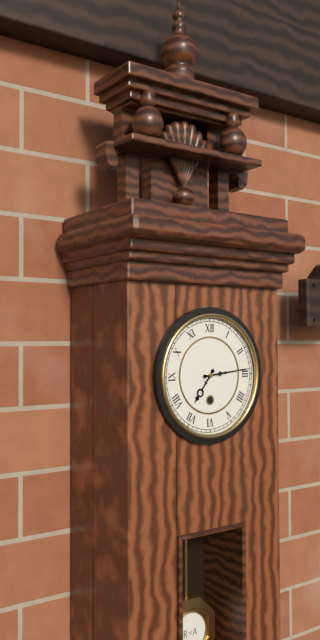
7,14
